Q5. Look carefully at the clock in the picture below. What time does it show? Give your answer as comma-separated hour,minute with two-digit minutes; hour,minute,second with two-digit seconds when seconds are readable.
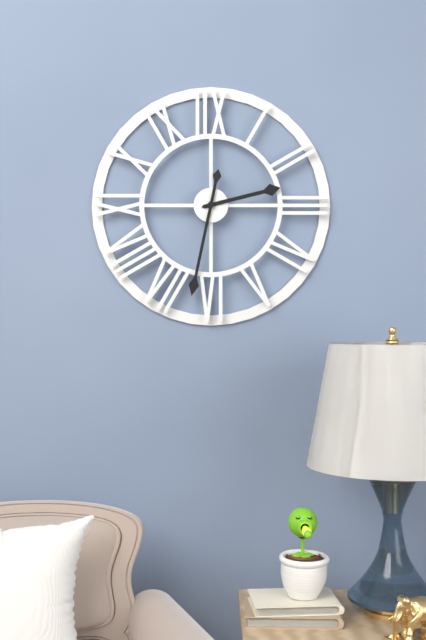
2,32
